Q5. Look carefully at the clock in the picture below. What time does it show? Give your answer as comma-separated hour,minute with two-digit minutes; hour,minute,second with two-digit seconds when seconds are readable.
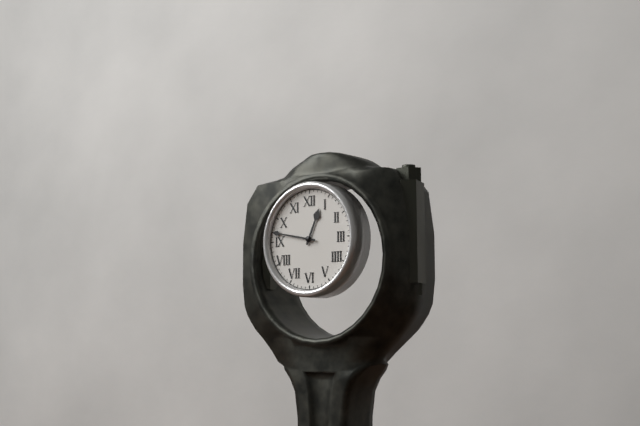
12,47
